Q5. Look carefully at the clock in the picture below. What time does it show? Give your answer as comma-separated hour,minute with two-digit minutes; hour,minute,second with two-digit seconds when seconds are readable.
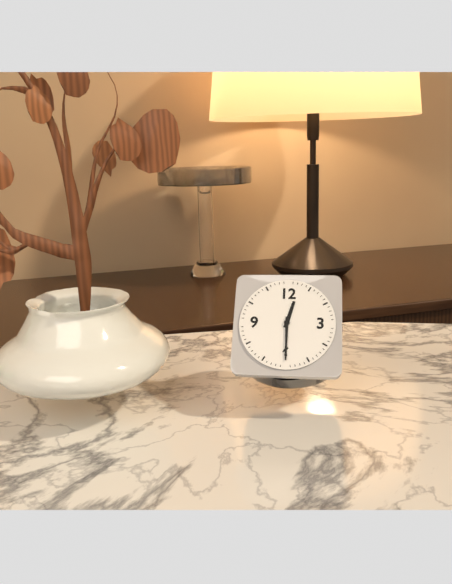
12,30
